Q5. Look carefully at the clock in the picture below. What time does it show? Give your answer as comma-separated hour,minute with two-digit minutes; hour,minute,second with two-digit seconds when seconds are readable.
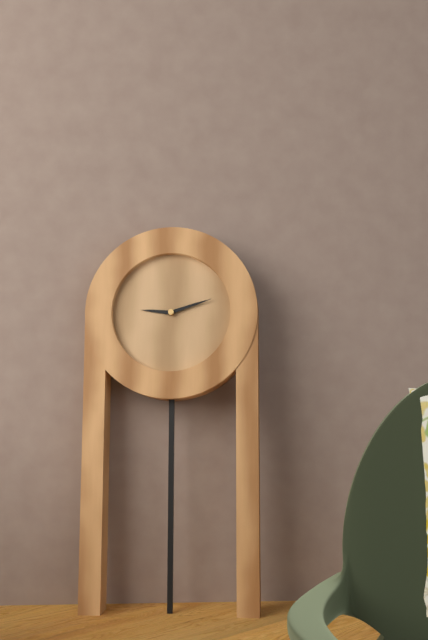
9,12
